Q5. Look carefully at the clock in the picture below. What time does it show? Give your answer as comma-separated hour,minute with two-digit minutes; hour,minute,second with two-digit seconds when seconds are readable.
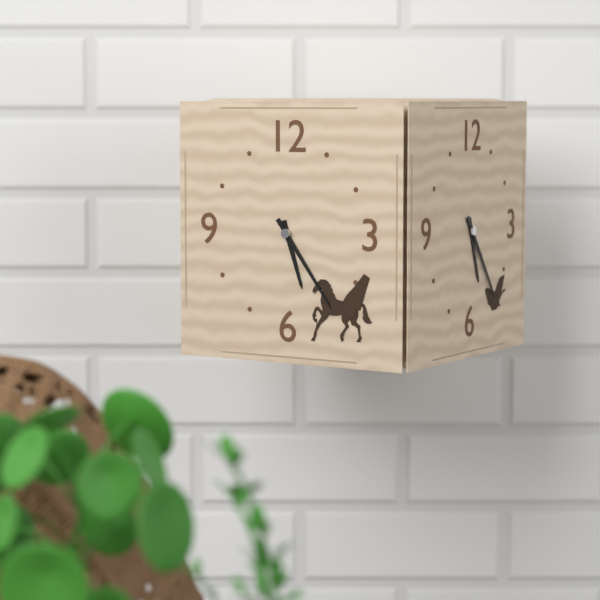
5,24
